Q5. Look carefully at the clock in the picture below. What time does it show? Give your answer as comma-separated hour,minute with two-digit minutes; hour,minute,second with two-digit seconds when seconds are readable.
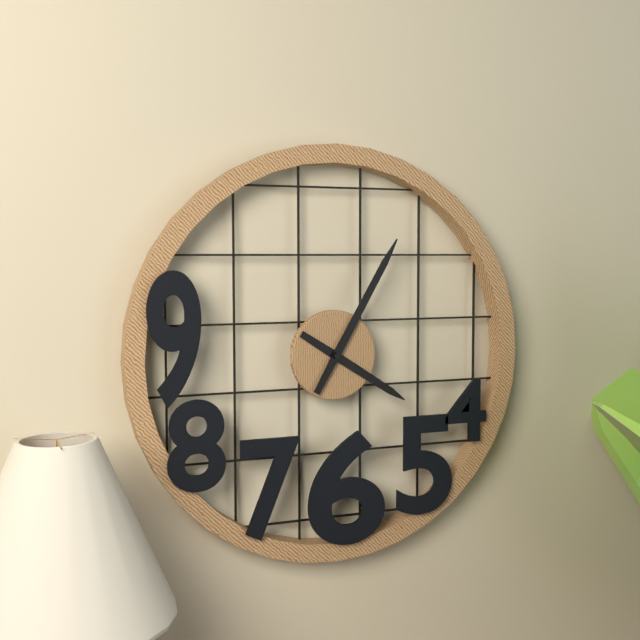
4,05
